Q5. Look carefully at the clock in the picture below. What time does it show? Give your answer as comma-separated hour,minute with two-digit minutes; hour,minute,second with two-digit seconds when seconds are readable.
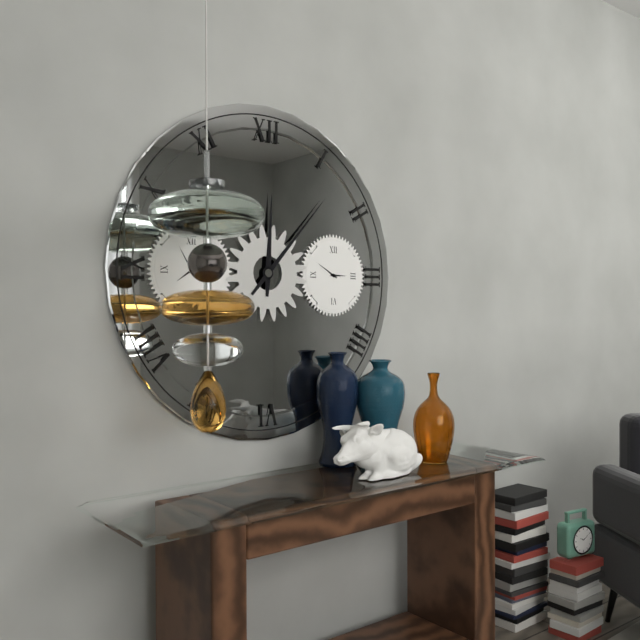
12,07
